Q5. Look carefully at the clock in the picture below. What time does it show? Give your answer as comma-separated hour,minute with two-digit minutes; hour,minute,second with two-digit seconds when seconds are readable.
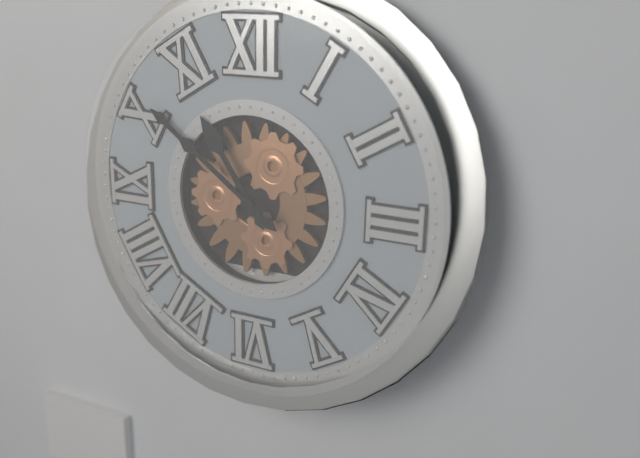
10,51
